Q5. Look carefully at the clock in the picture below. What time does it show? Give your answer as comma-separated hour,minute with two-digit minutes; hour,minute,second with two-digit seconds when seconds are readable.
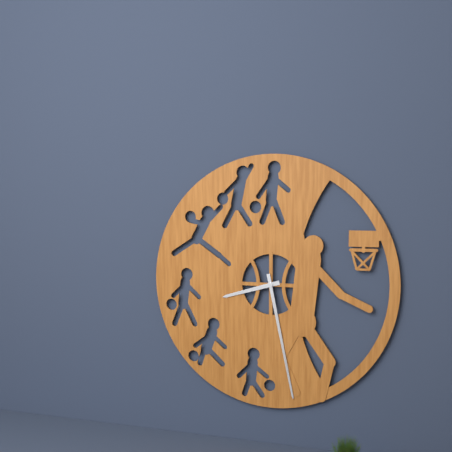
8,28
